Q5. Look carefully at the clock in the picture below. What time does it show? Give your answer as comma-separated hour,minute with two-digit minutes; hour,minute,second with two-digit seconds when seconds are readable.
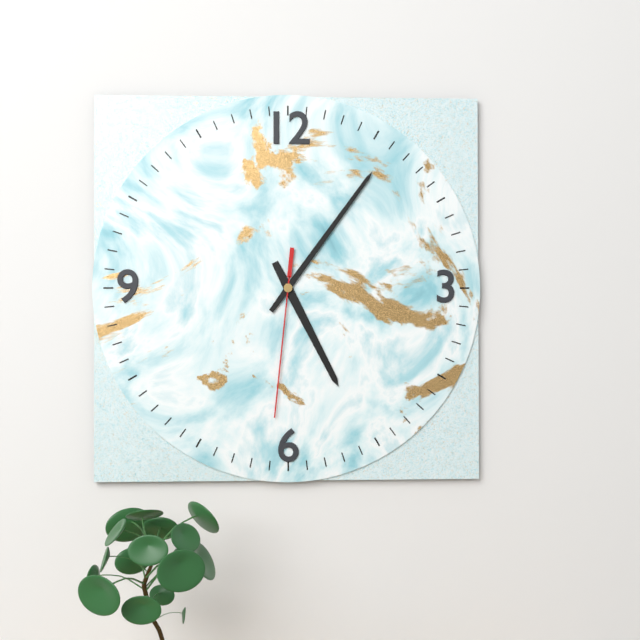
5,06,31
